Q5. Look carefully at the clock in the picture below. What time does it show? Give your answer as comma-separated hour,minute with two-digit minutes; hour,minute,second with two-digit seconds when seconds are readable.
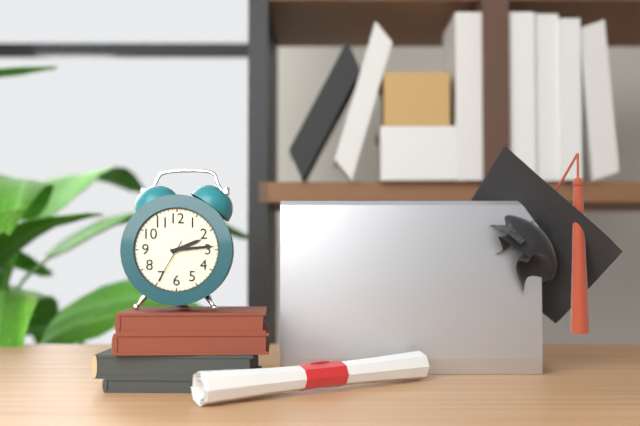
2,14,35
